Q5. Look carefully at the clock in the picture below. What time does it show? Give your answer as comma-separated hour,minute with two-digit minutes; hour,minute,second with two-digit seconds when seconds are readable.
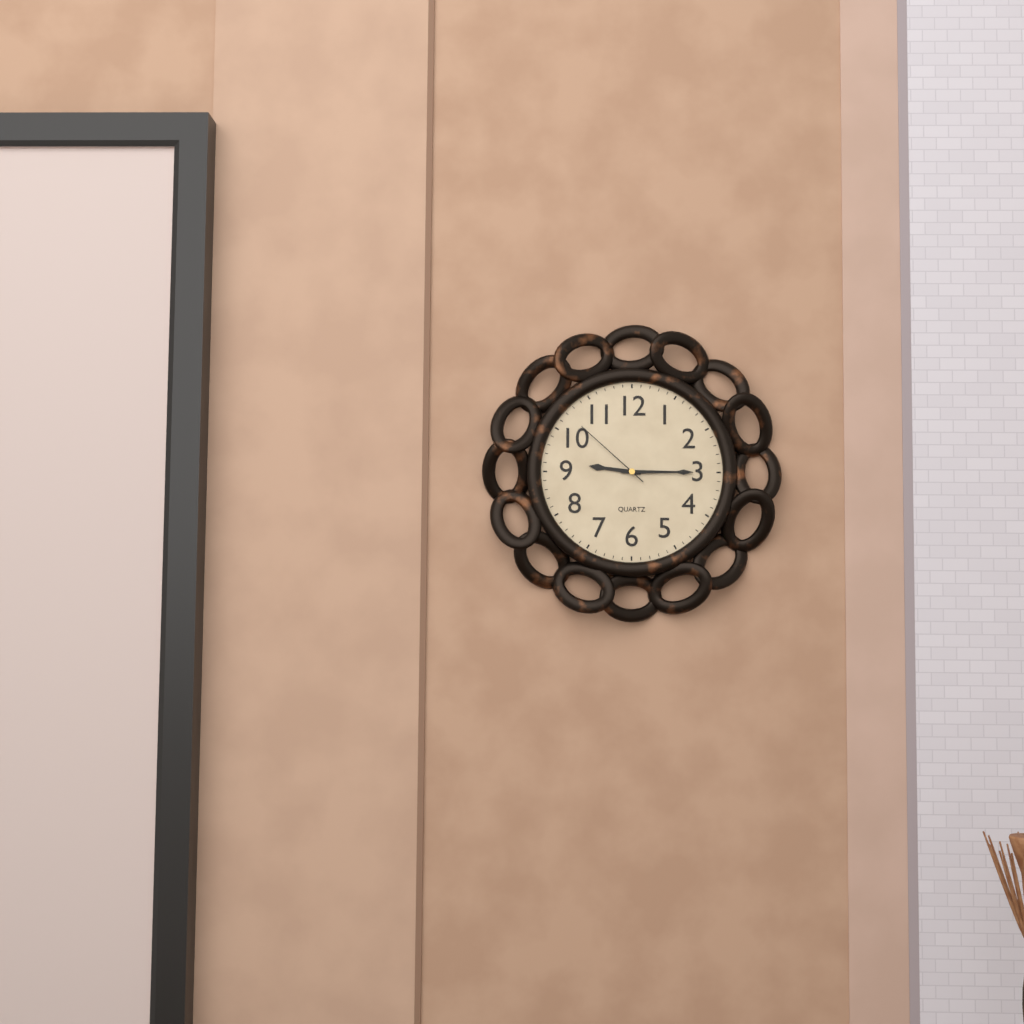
9,15,52
